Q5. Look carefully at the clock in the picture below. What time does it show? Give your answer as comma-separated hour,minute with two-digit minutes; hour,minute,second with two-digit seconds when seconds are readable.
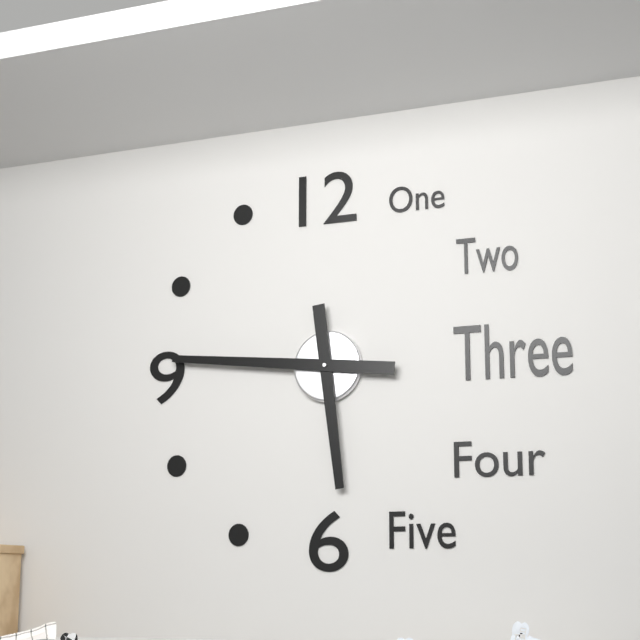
5,46
